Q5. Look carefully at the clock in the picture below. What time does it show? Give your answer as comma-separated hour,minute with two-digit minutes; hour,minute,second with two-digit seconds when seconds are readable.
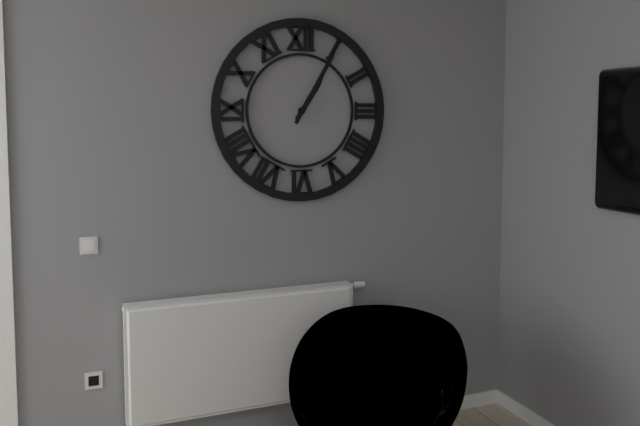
1,05
